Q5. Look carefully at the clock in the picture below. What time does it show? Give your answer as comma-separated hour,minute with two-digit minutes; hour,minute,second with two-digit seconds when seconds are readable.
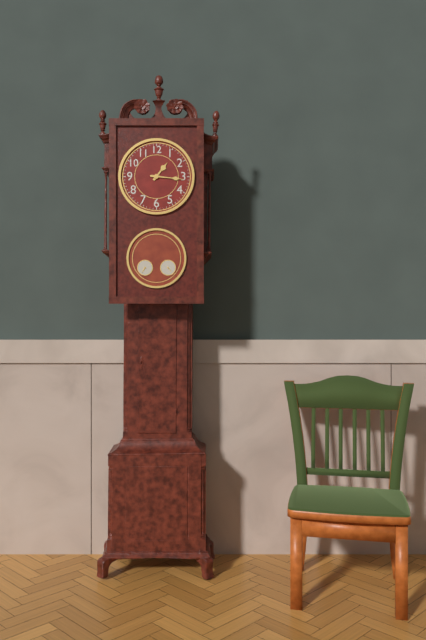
1,16
